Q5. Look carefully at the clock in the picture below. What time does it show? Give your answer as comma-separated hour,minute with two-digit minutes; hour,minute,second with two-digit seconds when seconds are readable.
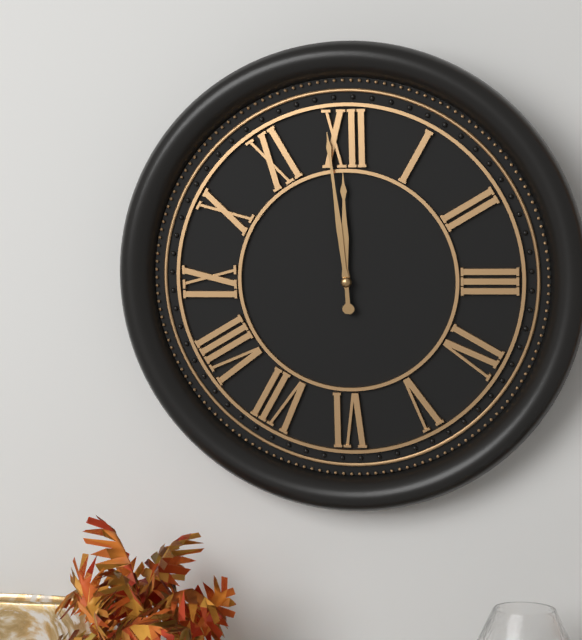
11,59
